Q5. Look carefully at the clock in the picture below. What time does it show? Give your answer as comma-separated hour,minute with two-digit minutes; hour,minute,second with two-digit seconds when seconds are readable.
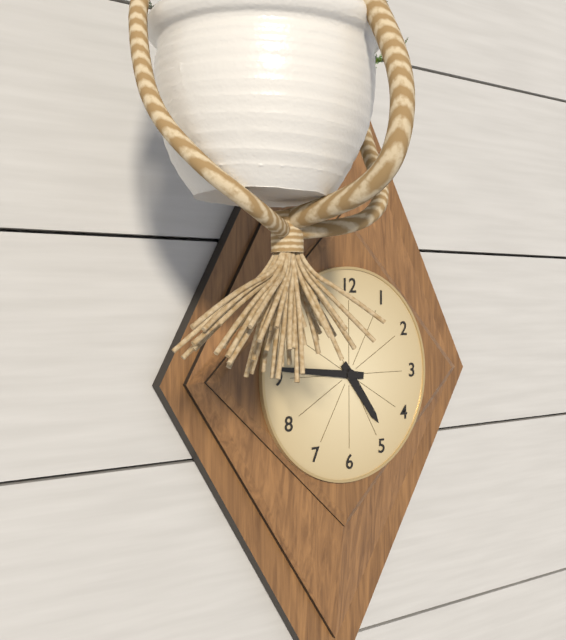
4,46
